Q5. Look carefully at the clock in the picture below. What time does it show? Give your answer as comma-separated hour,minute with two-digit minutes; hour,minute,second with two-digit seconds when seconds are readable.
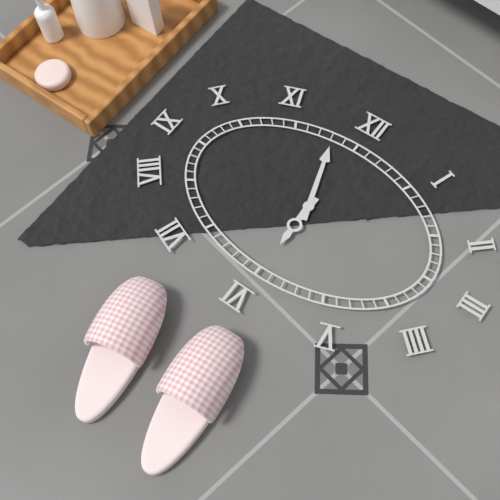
5,57
